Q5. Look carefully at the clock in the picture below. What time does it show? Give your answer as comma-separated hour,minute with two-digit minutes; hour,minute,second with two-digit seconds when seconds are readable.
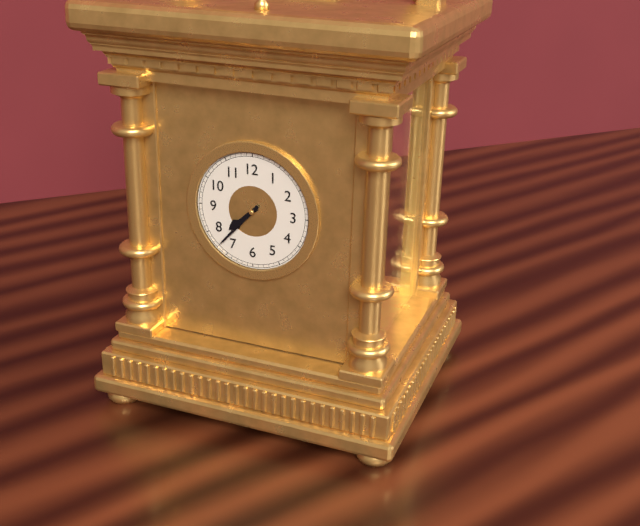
7,37
